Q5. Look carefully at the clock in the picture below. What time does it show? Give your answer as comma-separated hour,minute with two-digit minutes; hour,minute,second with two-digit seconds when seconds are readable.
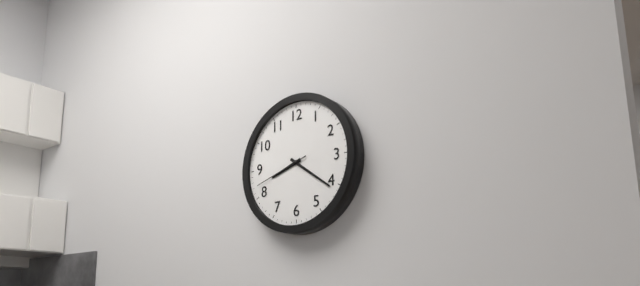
8,21,42
